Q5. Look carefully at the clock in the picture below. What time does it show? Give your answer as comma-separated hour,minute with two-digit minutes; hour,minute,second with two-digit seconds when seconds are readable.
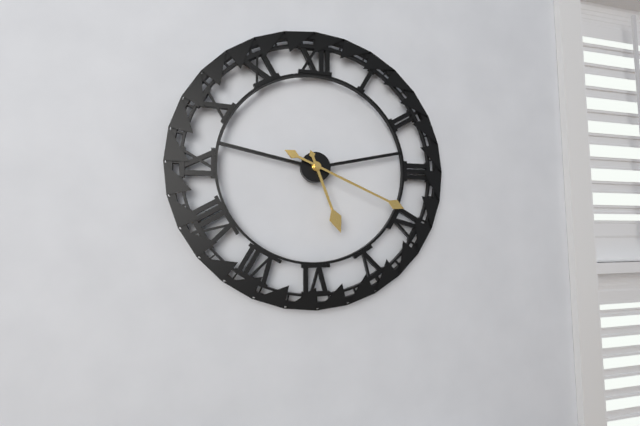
5,19
